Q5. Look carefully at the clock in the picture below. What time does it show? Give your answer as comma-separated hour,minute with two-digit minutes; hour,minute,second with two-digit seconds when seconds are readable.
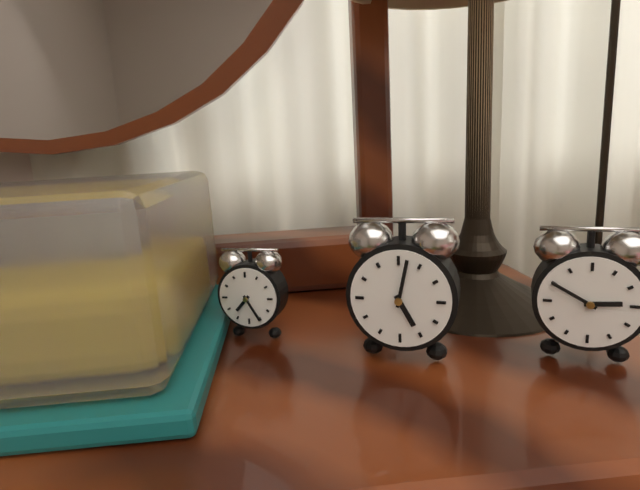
5,02
